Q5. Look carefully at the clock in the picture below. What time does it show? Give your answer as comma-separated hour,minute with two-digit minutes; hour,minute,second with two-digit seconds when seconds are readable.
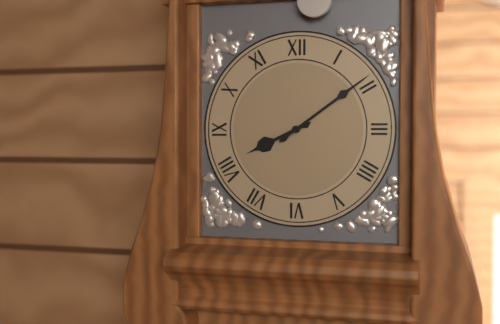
8,09
